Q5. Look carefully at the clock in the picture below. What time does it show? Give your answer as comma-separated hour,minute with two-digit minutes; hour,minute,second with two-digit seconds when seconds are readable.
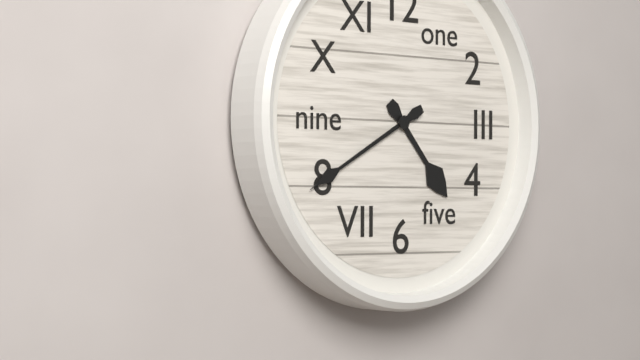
4,40
